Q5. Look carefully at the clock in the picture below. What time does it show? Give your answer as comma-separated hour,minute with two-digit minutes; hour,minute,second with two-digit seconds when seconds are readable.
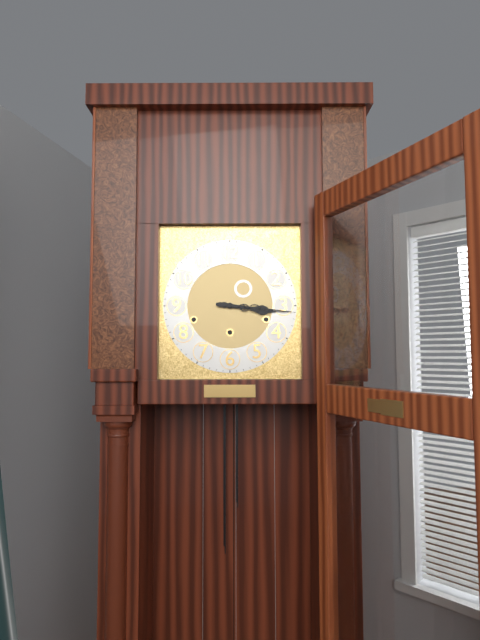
3,16
